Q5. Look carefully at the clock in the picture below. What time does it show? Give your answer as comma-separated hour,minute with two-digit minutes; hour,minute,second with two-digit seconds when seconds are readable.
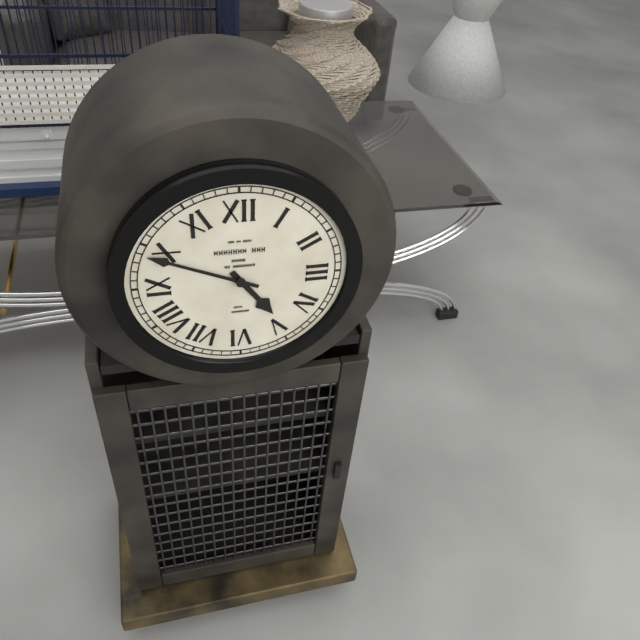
4,49
